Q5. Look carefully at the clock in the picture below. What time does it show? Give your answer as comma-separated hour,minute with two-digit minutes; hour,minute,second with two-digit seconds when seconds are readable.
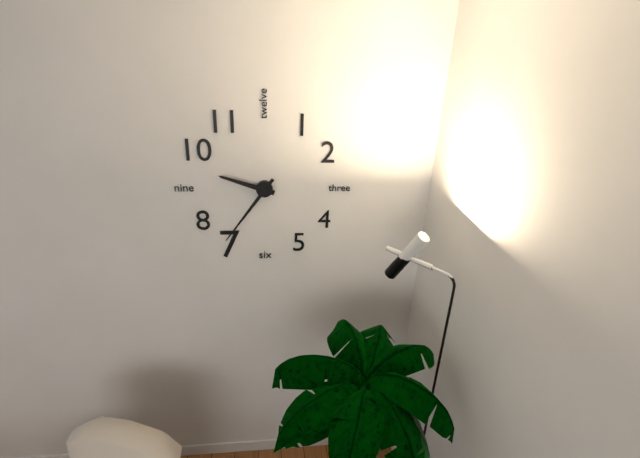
9,36
